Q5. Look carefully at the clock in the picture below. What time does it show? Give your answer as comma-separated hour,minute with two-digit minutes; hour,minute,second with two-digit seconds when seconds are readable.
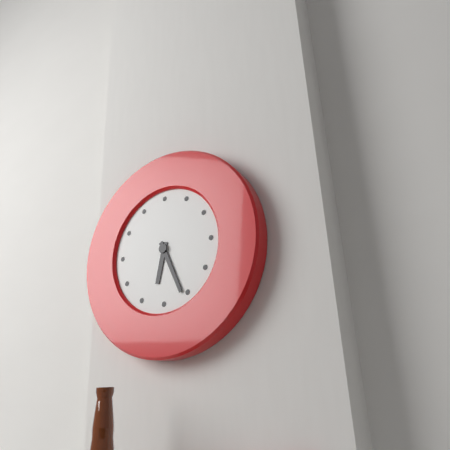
6,26
